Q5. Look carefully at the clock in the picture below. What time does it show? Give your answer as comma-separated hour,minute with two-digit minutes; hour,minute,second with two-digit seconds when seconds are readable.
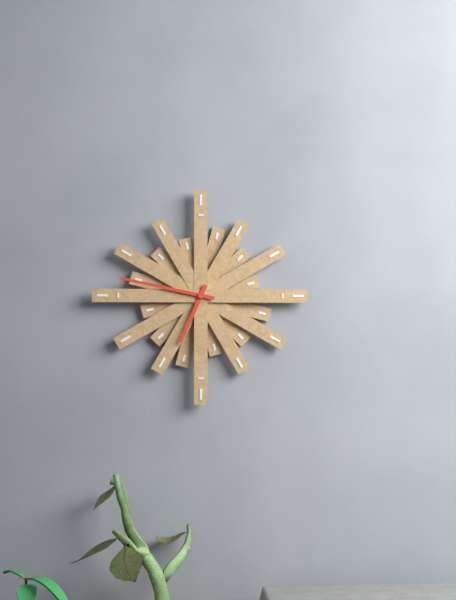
6,47
